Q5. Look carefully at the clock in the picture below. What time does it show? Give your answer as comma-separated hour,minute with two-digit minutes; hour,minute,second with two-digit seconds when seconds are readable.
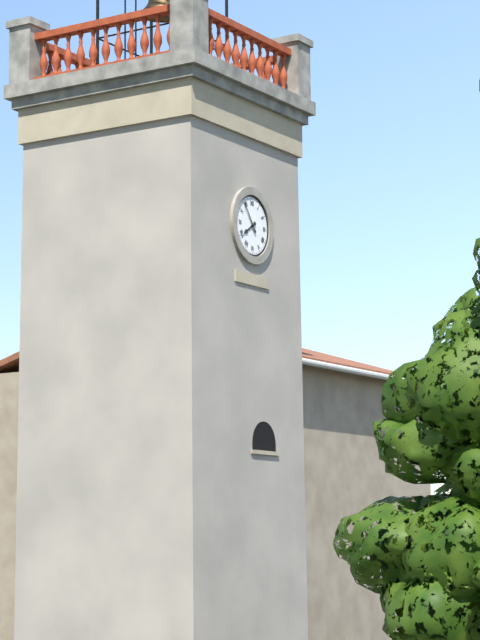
7,54
